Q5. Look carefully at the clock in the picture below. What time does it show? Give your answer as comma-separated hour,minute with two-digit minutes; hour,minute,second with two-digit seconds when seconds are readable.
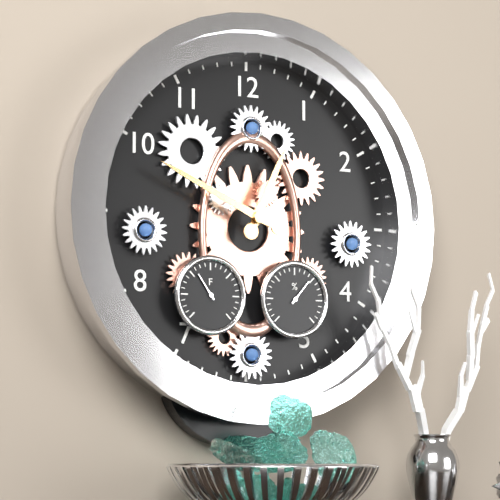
12,49
